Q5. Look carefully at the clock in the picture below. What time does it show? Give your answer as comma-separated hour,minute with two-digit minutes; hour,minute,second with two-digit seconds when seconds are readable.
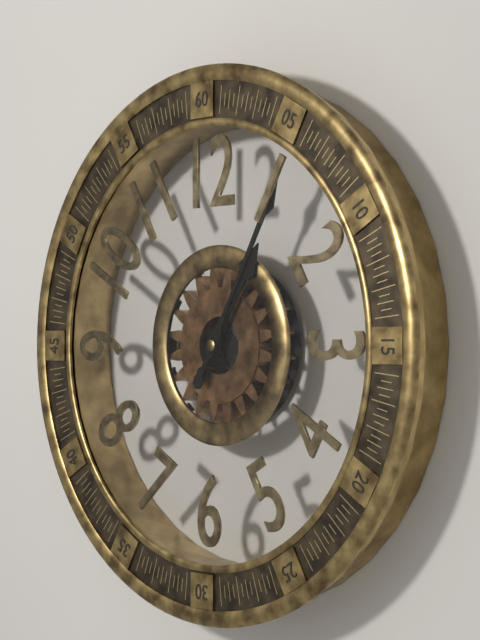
1,05
